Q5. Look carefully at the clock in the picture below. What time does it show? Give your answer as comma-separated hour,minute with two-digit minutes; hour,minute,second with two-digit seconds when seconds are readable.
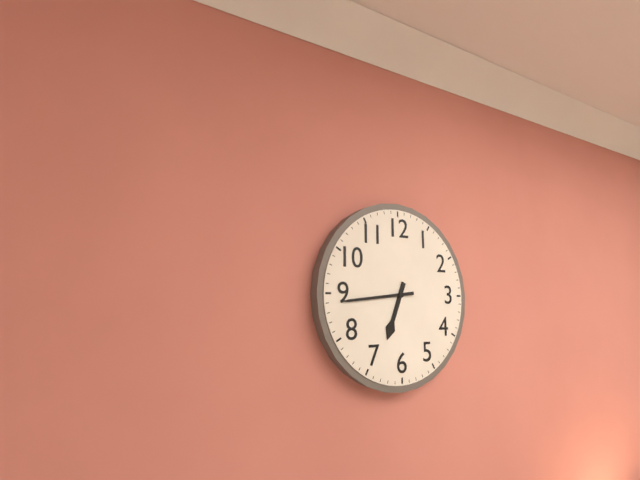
6,44
